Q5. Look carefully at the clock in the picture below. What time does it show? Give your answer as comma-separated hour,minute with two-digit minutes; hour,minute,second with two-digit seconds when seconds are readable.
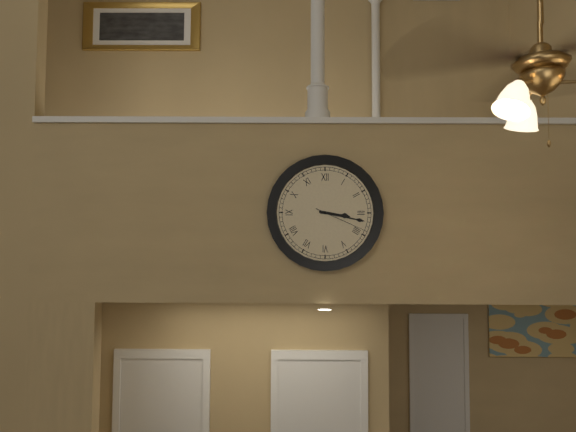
3,17,19
